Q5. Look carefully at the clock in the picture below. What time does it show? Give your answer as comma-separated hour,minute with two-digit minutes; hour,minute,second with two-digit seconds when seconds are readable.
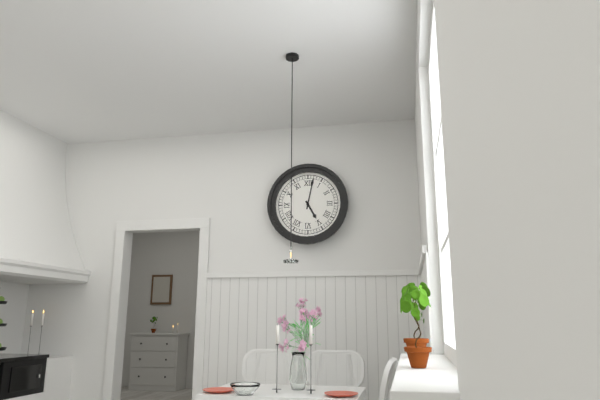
5,02
